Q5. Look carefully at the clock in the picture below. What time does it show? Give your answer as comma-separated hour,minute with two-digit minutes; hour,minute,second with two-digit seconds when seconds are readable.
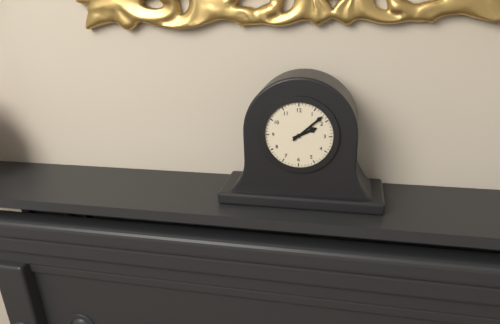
2,08
